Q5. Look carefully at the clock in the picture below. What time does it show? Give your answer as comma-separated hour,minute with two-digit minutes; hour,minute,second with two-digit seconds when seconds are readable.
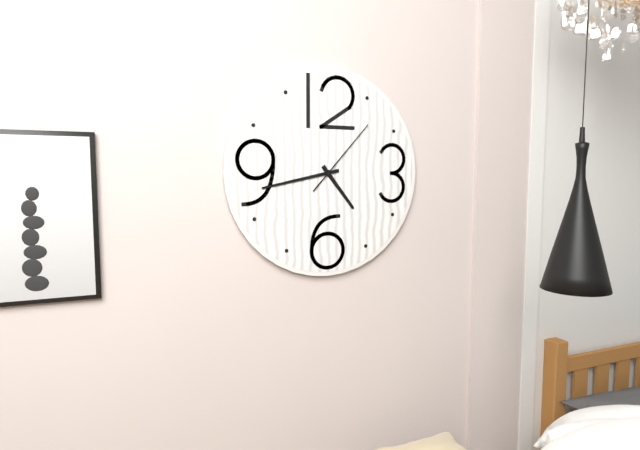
4,43,07
